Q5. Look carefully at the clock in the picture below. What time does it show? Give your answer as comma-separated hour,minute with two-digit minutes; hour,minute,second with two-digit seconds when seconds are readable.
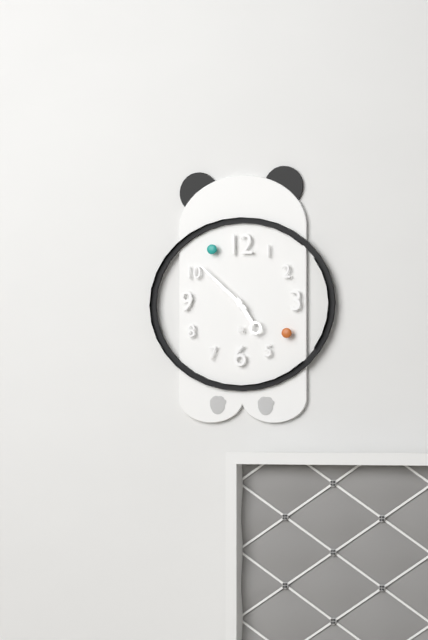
4,52
